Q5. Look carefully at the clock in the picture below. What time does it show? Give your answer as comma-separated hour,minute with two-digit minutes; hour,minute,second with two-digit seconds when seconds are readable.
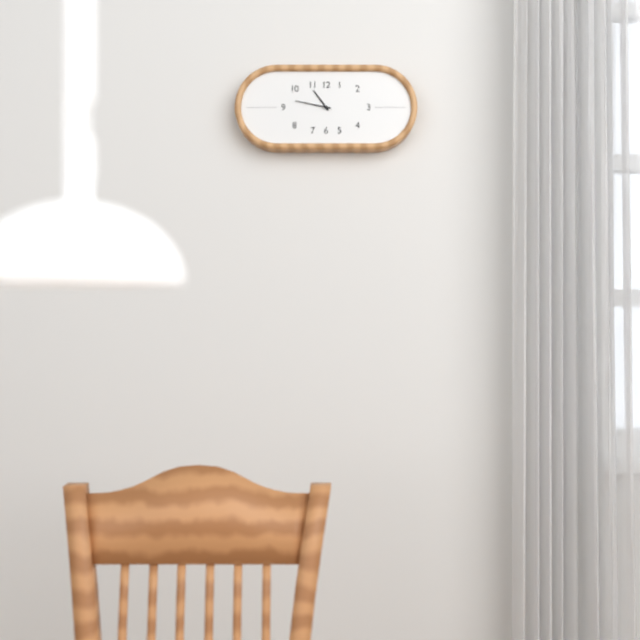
10,47
